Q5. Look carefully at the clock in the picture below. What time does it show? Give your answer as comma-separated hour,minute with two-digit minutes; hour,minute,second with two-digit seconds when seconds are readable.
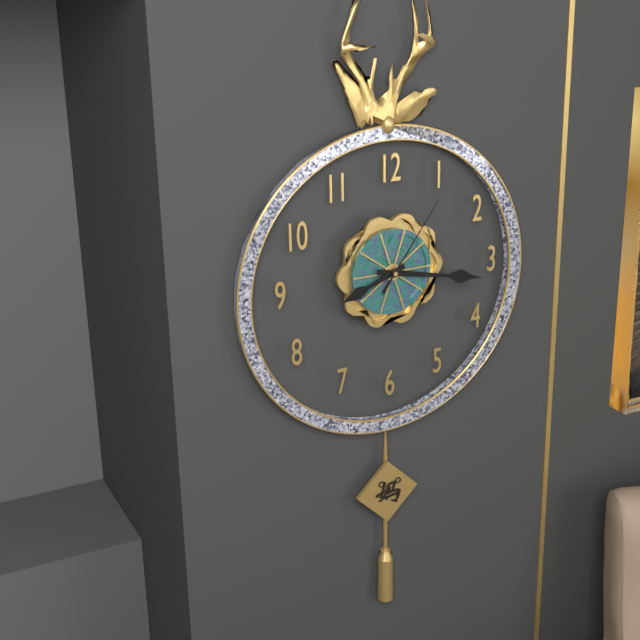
8,17,06
